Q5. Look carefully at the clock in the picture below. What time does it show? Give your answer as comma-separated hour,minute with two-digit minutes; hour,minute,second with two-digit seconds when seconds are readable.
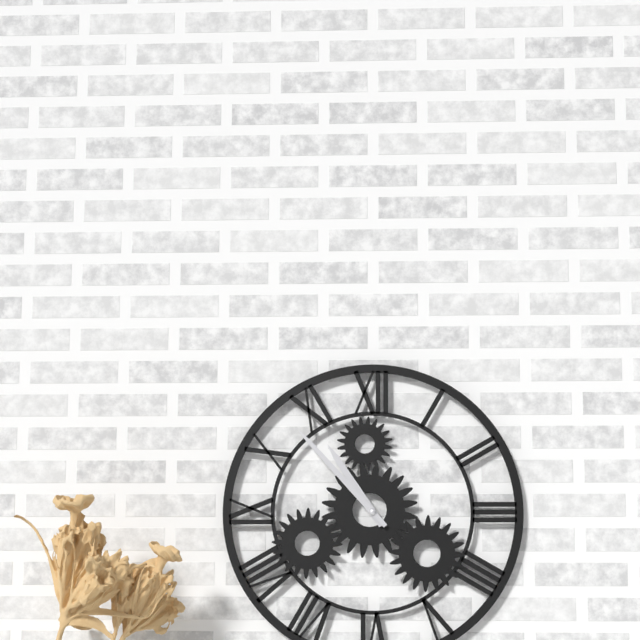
10,53
